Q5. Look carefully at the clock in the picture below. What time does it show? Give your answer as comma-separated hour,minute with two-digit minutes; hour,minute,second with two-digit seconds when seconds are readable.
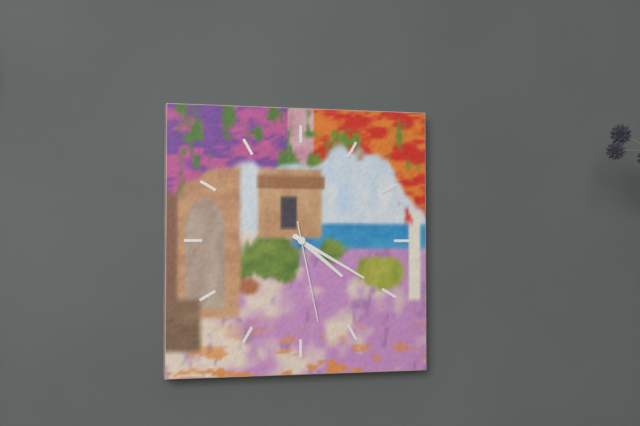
4,20,28
